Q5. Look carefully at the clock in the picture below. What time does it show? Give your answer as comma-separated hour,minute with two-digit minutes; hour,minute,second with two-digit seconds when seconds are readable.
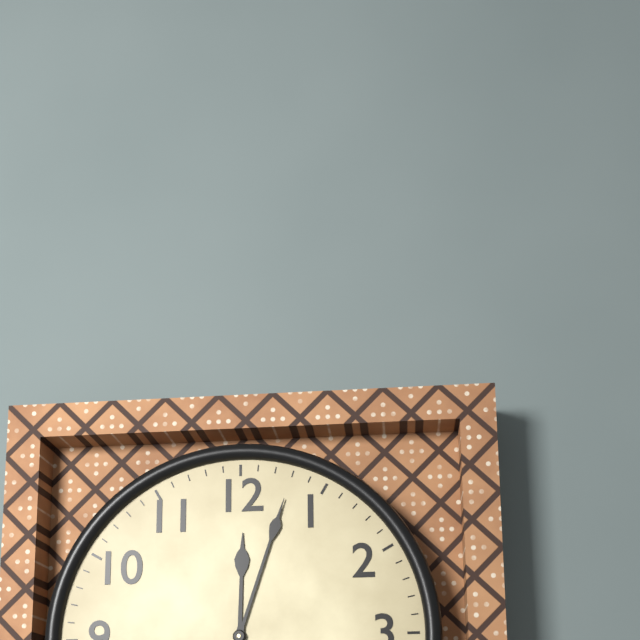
12,03
